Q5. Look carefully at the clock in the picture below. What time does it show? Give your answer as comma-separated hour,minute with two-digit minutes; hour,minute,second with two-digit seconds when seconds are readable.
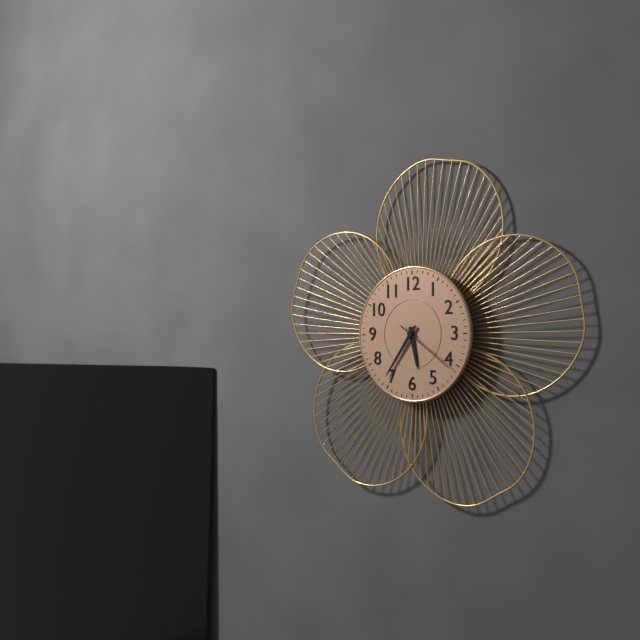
5,36,21
